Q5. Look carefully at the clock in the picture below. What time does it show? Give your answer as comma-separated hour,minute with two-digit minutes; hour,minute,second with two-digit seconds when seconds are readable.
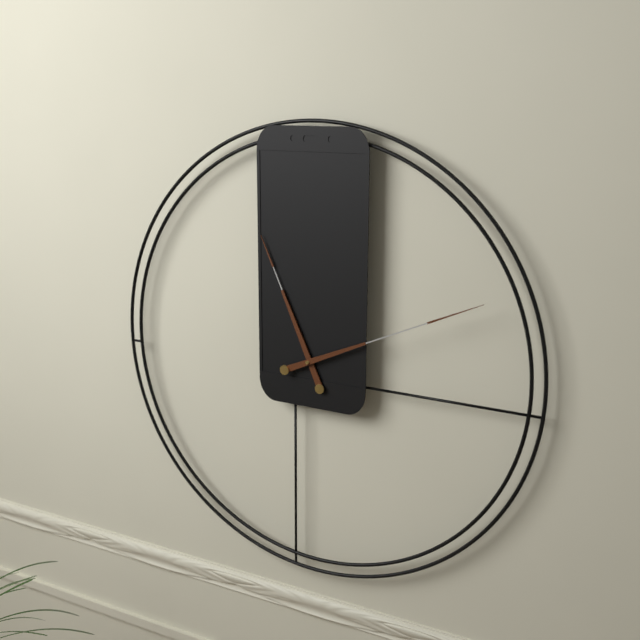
11,11
